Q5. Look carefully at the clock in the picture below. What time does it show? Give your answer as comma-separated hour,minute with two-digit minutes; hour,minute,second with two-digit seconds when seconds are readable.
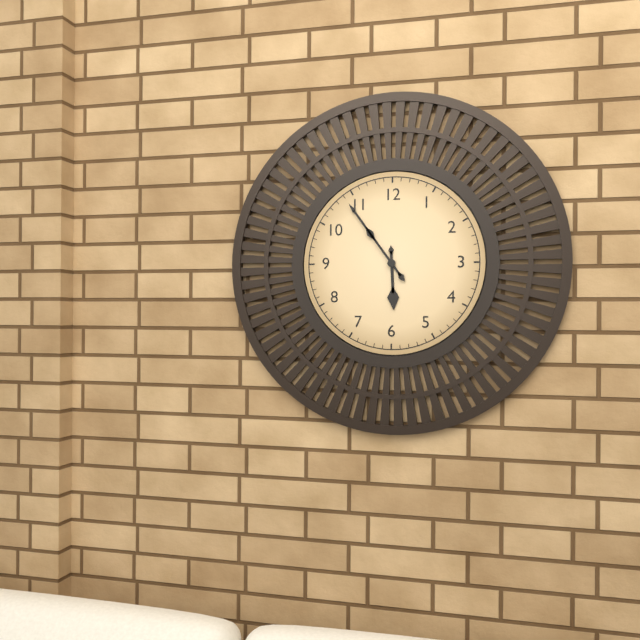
5,54
